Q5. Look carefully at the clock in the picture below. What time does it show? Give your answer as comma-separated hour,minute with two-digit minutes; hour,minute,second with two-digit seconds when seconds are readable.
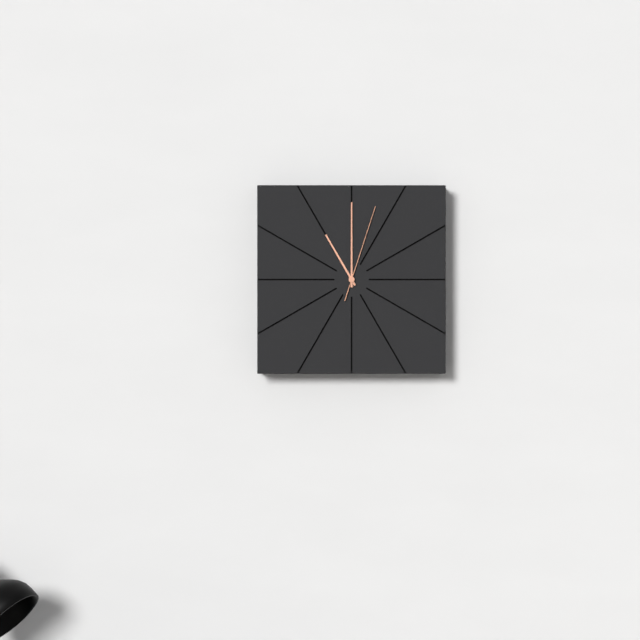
11,00,03
